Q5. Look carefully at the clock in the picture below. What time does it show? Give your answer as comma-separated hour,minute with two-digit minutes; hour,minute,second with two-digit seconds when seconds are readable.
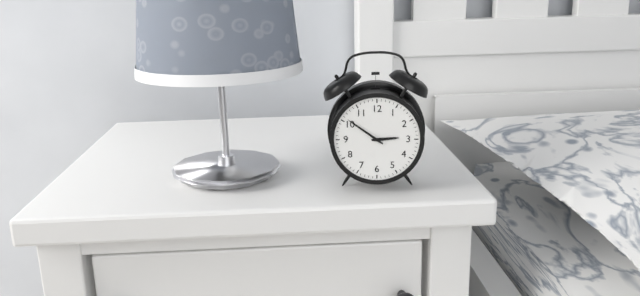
2,51
